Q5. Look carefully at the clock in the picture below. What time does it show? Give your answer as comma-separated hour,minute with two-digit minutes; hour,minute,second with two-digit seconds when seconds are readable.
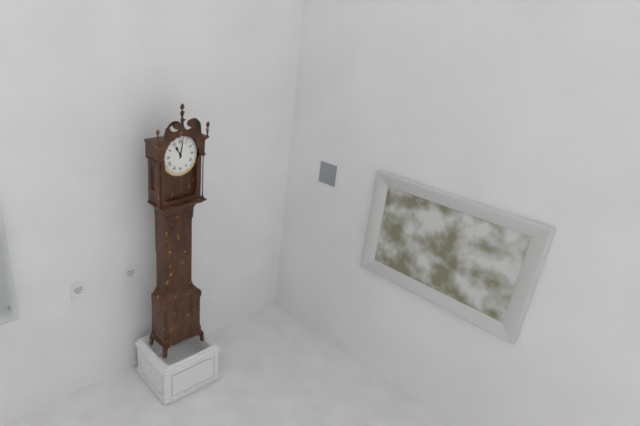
11,02
